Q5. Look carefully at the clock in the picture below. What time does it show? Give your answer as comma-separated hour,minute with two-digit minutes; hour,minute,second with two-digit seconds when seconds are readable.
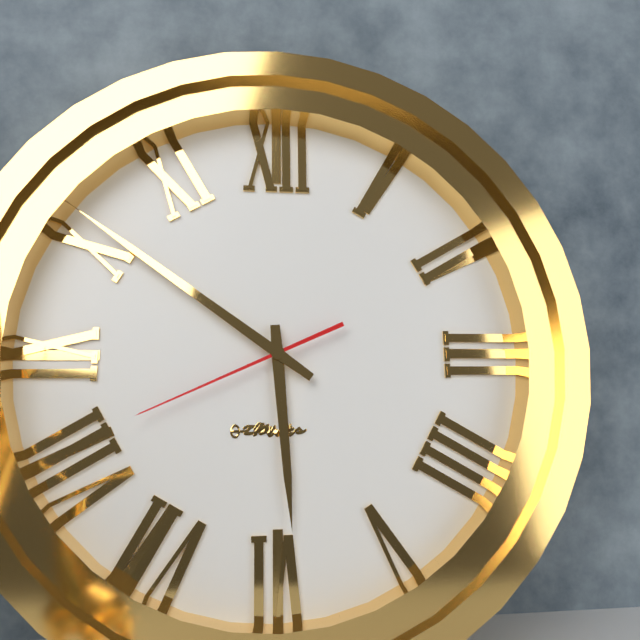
5,51,41
